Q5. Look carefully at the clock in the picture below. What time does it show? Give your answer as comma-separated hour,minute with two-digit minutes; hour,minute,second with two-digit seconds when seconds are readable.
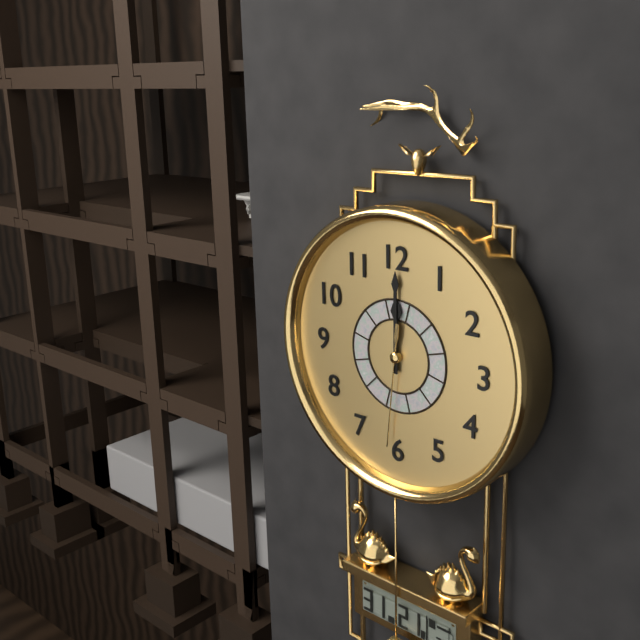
12,00,31
